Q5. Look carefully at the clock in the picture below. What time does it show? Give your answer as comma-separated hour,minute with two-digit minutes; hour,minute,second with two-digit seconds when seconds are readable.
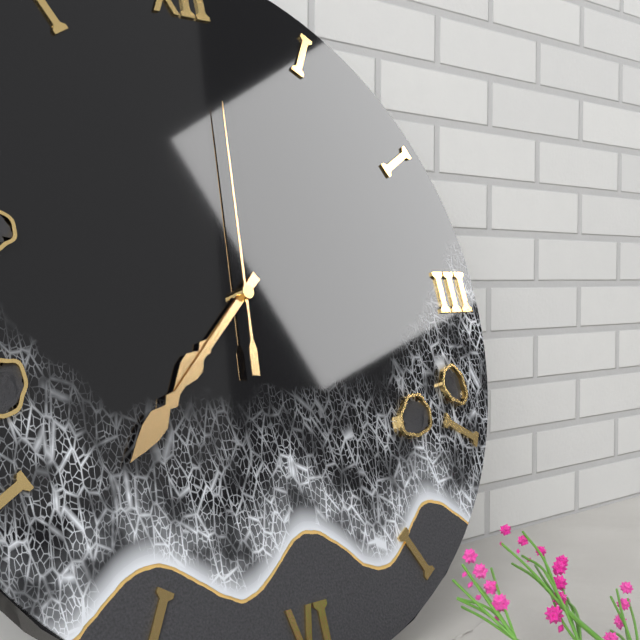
7,38,01
